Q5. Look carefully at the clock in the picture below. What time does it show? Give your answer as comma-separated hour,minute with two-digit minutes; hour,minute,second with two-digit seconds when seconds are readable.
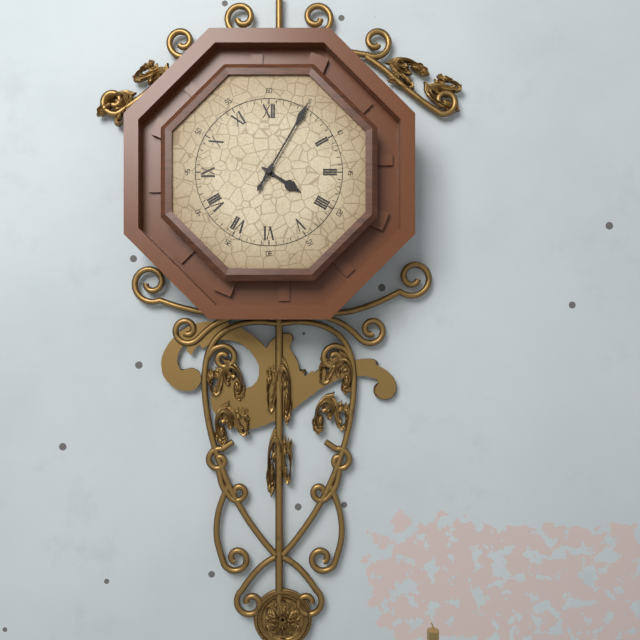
4,05
